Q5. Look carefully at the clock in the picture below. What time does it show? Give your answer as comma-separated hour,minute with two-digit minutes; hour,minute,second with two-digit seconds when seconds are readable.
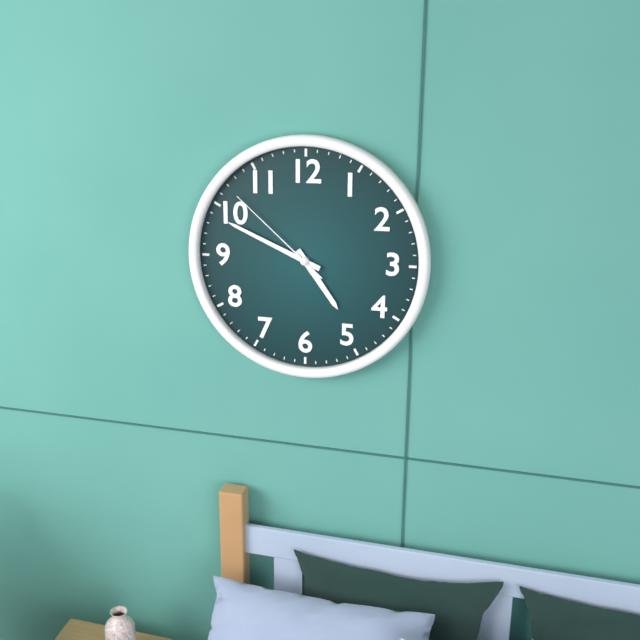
4,49,52
